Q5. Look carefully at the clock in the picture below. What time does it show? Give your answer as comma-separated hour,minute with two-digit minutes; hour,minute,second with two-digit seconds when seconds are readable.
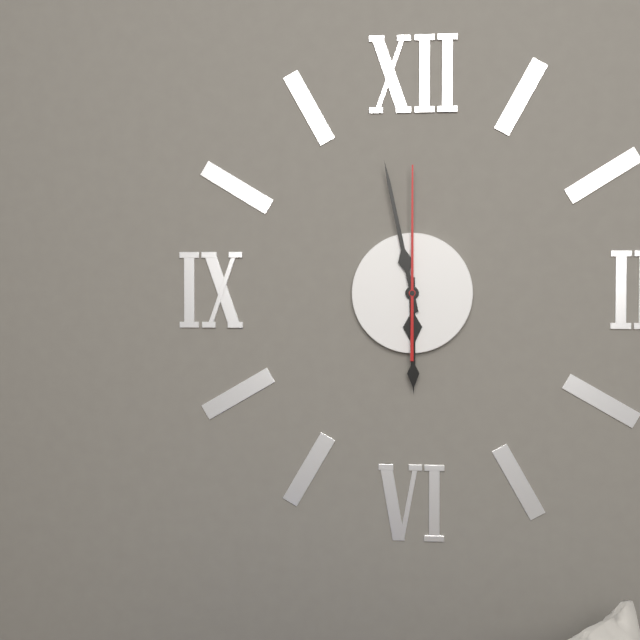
5,58,00
